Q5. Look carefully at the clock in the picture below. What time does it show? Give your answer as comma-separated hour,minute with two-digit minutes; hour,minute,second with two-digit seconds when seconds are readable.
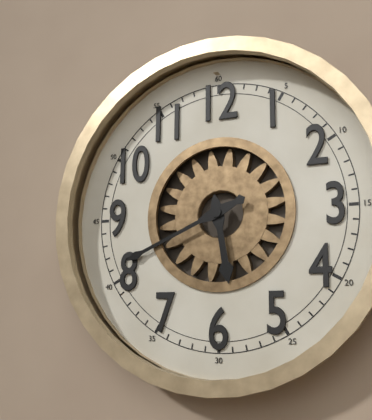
5,41
